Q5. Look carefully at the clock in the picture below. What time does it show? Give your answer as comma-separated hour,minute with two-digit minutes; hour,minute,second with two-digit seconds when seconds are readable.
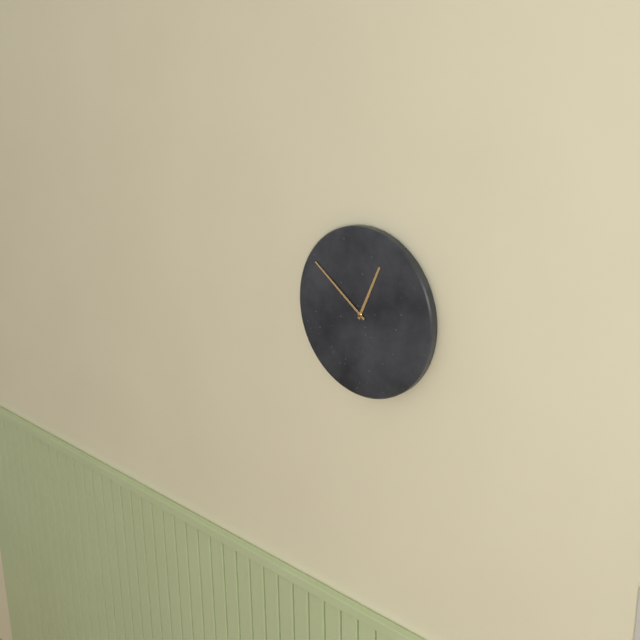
12,51
